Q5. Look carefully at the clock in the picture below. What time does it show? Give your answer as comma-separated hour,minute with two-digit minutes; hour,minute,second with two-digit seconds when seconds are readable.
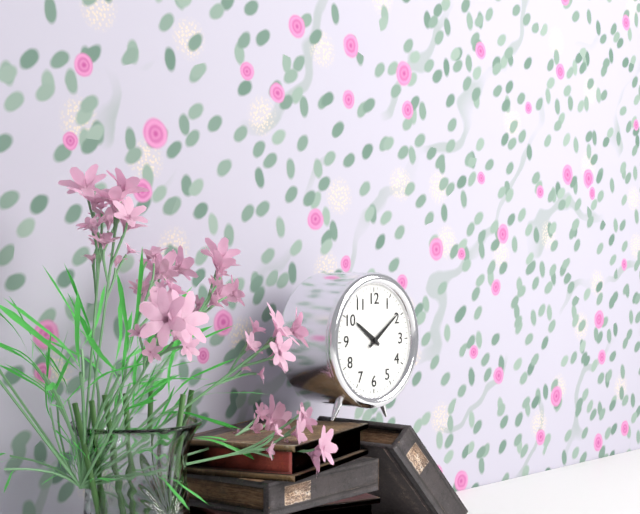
10,09
